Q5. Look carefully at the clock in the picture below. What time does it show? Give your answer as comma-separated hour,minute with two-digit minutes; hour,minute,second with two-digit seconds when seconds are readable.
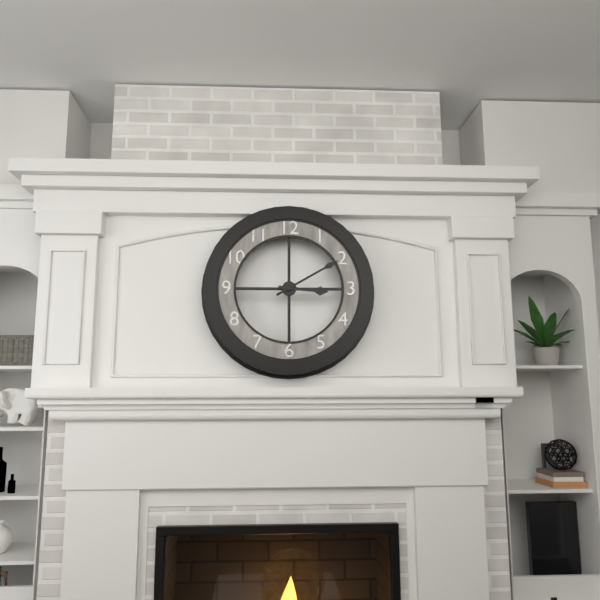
3,10
